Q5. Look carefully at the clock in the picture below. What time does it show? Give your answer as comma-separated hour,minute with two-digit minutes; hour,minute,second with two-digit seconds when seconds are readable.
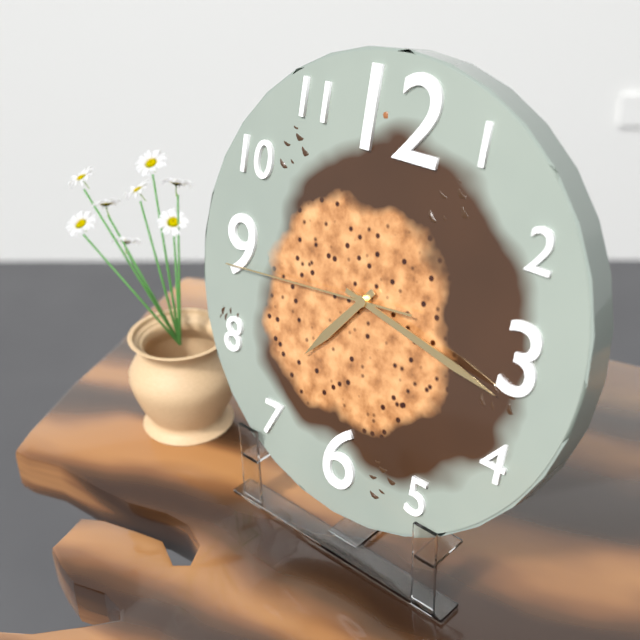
7,17,44
